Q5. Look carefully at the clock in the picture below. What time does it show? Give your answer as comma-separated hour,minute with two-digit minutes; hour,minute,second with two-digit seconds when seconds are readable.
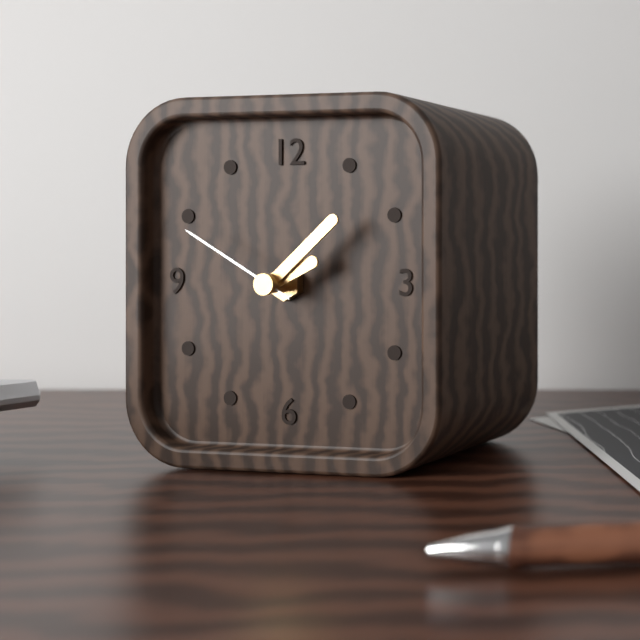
2,08,50
